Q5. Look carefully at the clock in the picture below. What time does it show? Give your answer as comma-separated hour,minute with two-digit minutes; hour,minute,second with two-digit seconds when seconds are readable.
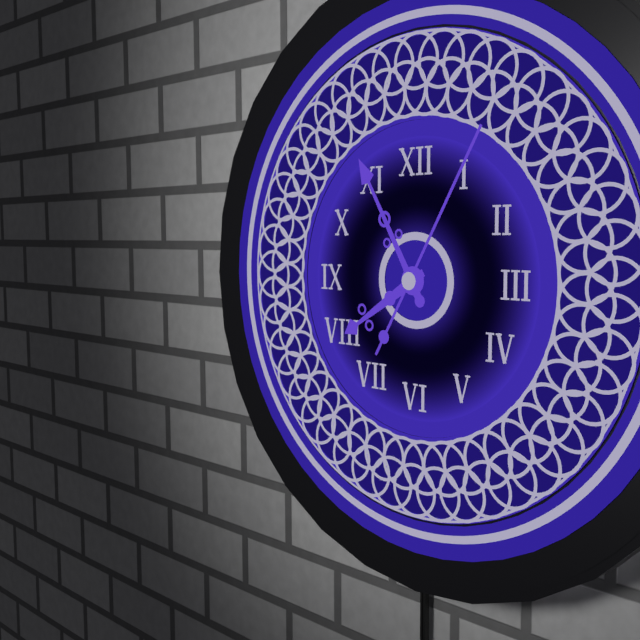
7,55,05
